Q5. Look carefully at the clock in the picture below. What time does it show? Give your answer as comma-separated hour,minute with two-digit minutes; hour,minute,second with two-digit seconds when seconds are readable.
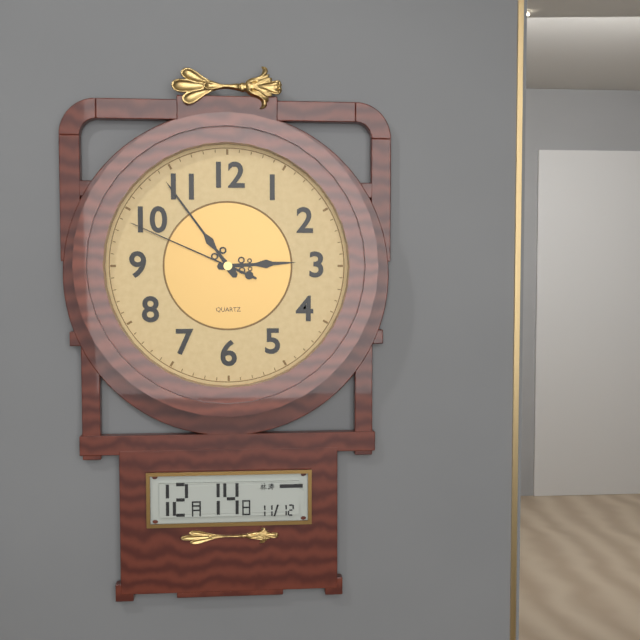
2,54,49
